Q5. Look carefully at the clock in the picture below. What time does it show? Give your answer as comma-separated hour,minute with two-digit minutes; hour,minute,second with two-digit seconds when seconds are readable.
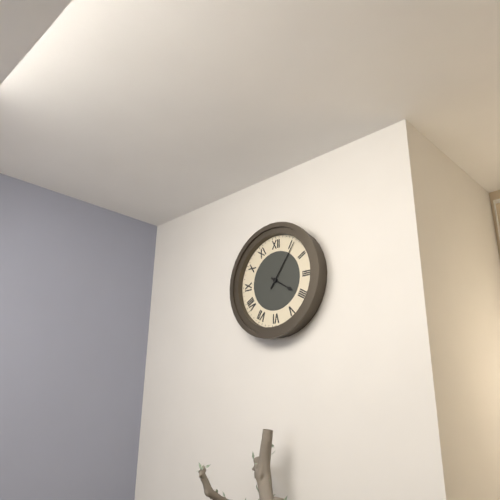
4,06
